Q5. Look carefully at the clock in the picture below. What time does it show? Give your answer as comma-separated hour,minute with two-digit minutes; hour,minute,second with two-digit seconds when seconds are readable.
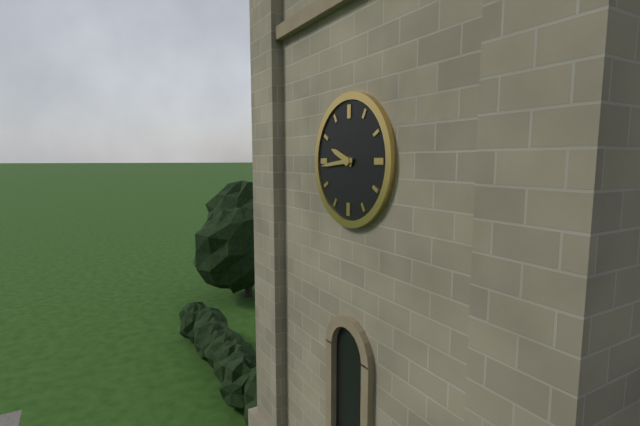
9,44
